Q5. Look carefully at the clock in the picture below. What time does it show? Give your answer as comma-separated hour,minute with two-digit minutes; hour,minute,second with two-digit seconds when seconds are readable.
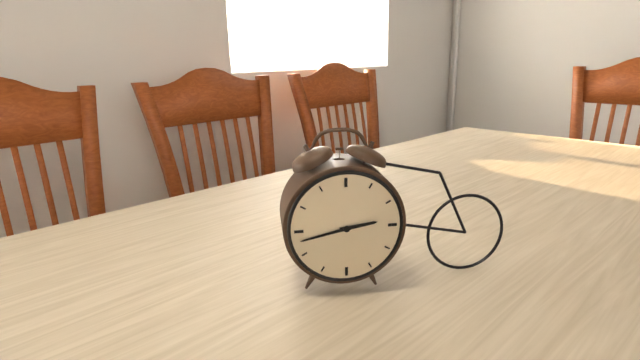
2,43
